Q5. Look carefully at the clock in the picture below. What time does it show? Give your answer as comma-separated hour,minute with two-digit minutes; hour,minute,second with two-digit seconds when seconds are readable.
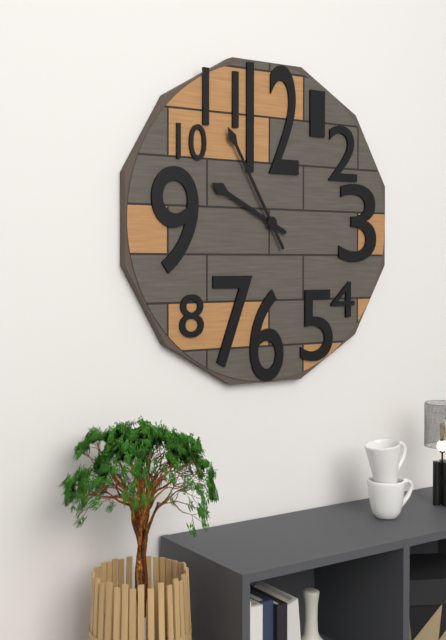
9,55
